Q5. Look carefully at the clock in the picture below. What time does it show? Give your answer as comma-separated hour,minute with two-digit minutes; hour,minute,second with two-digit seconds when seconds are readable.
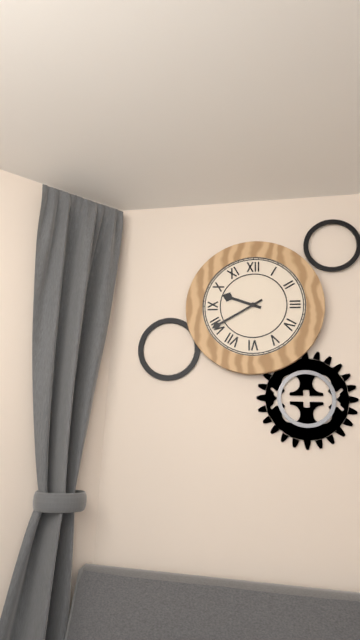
9,40
